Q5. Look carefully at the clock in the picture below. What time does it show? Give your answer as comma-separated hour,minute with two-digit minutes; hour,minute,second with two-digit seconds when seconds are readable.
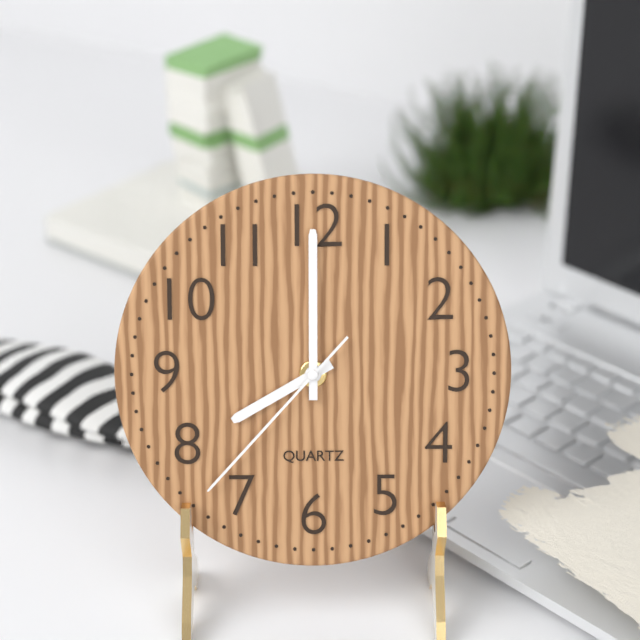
8,00,37
